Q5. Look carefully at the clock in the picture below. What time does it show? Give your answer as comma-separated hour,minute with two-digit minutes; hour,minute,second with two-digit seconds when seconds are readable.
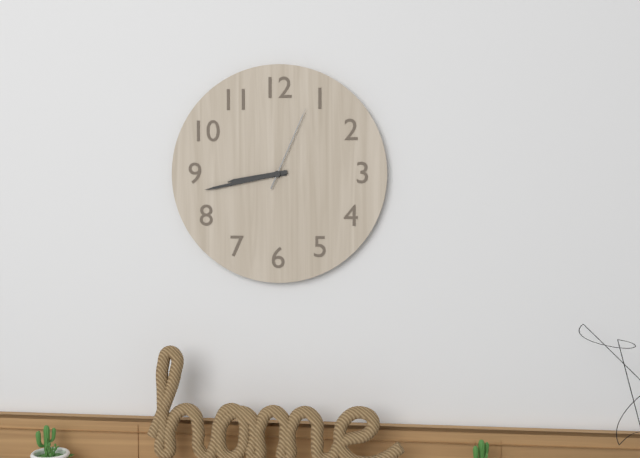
8,43,04
